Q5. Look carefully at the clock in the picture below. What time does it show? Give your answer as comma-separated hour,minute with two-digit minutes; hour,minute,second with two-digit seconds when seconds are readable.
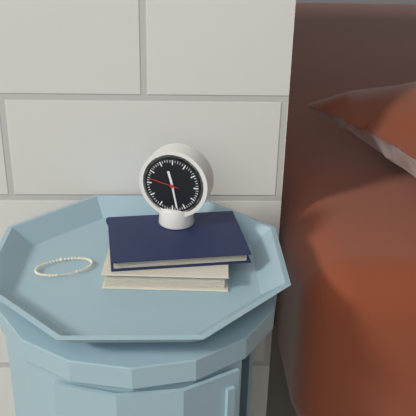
11,28
